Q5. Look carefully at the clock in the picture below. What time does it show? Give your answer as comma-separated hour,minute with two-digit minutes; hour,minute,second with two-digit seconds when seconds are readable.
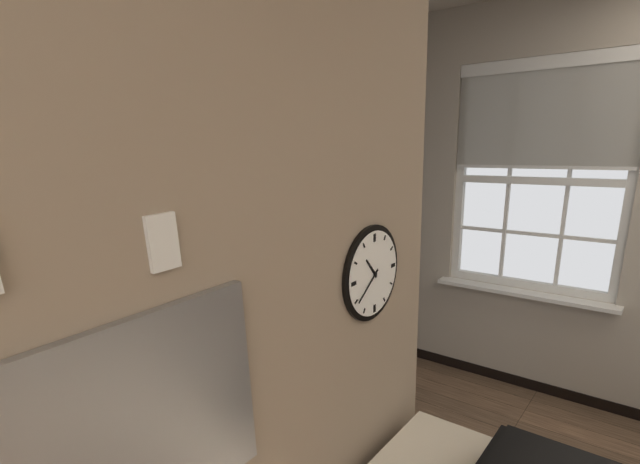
10,39
